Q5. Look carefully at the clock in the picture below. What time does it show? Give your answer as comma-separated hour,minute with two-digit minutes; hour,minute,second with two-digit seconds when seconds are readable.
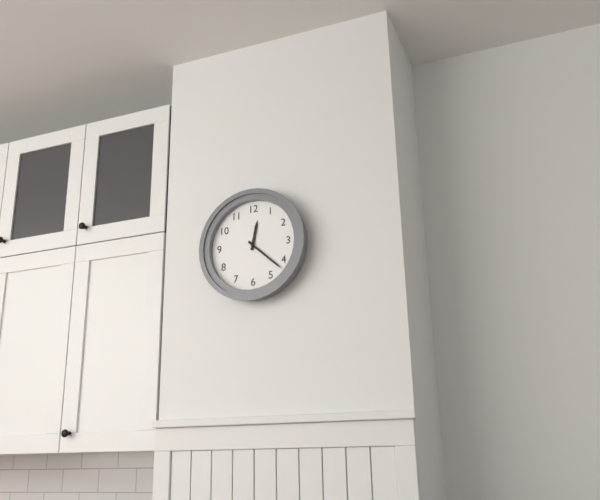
12,22
